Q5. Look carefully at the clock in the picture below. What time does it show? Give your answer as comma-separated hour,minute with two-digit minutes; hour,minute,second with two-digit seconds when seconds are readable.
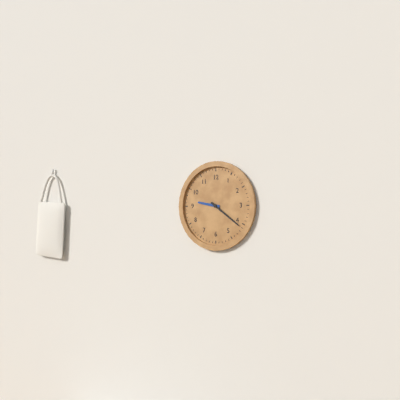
9,21
